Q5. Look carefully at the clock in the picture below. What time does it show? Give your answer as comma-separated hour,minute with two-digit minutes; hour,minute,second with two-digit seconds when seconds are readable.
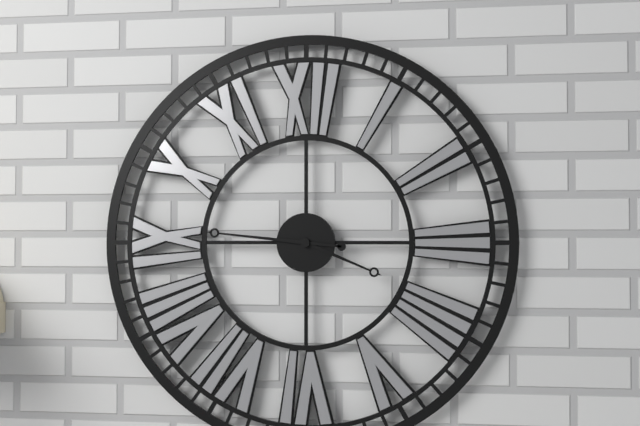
3,46
